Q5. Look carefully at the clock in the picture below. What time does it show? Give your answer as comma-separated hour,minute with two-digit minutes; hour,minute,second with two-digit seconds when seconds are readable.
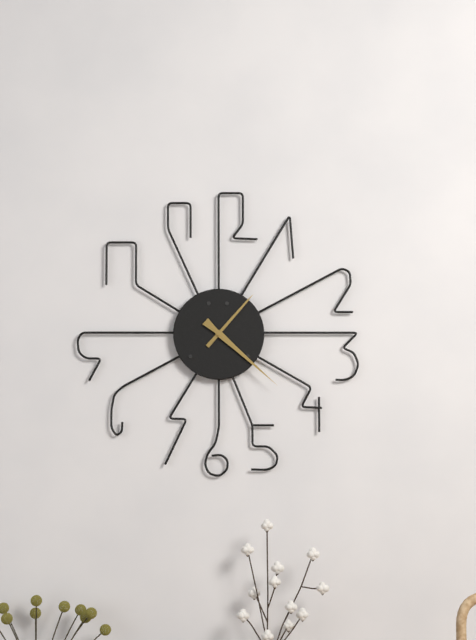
1,22
